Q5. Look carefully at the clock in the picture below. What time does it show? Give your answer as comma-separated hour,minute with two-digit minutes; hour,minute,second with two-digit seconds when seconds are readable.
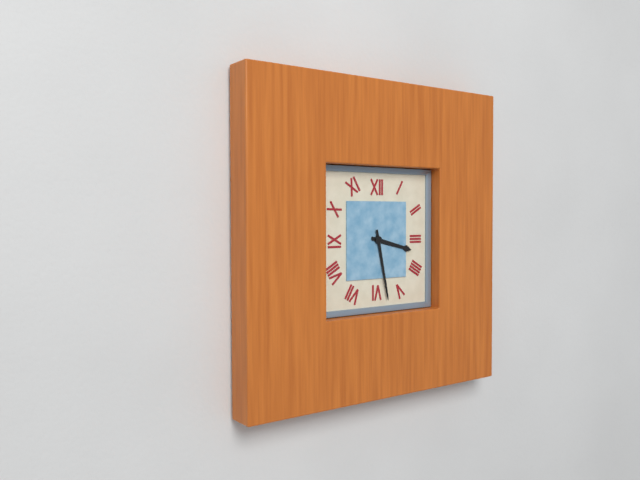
3,28
